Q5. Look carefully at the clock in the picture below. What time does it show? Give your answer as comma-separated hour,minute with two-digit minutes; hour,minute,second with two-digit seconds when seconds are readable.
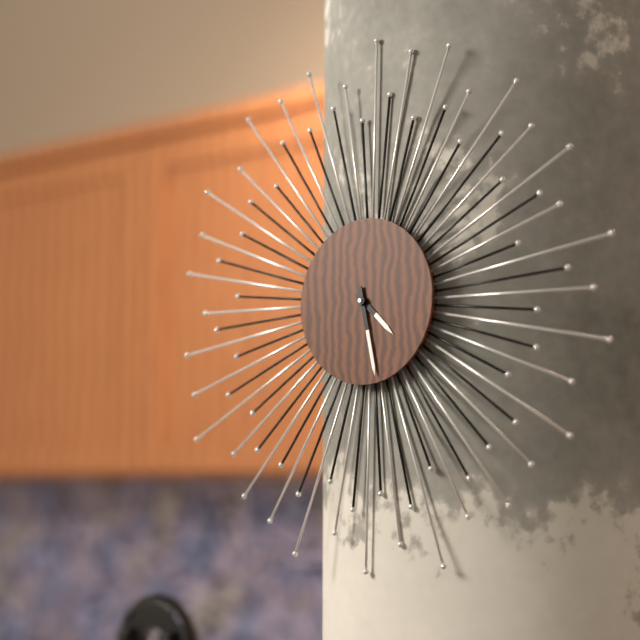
4,28
